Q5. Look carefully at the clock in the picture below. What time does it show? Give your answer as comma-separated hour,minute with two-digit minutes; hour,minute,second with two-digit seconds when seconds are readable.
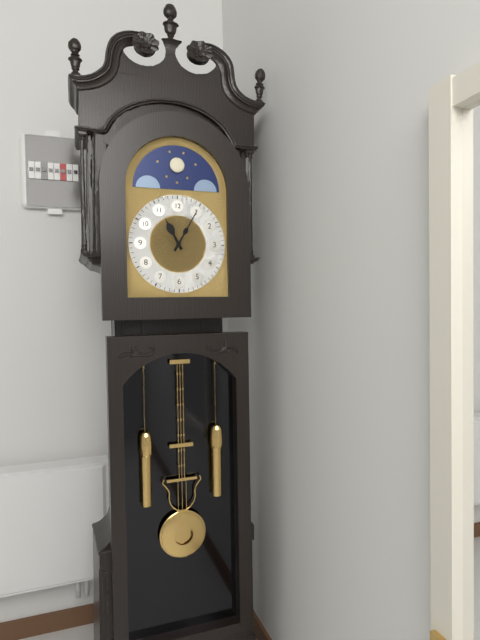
11,05
